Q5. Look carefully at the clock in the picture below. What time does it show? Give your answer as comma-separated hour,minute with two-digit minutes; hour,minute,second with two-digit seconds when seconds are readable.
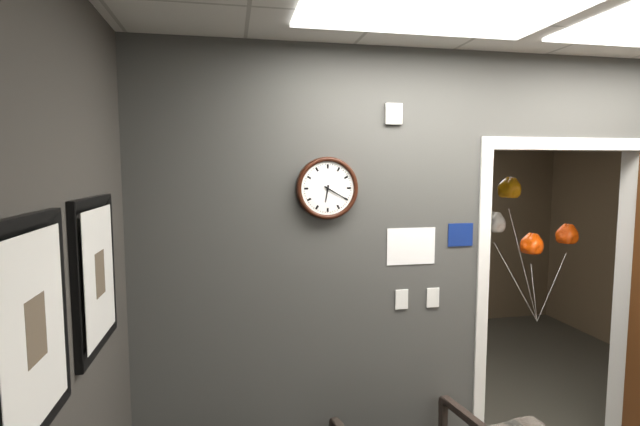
6,20
